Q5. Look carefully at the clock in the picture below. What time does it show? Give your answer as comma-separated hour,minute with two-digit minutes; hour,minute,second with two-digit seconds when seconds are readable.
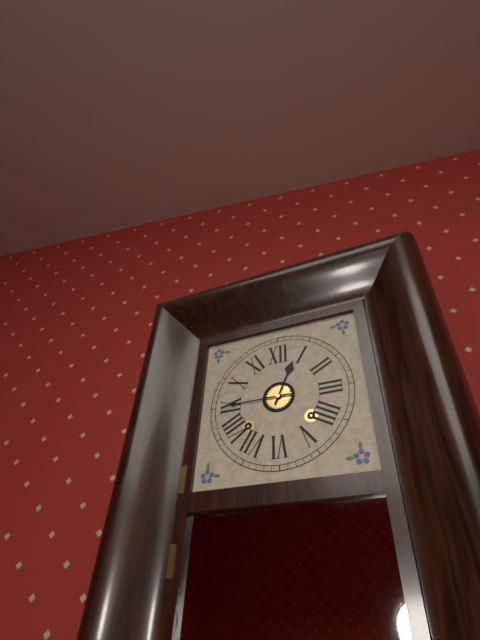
12,45
